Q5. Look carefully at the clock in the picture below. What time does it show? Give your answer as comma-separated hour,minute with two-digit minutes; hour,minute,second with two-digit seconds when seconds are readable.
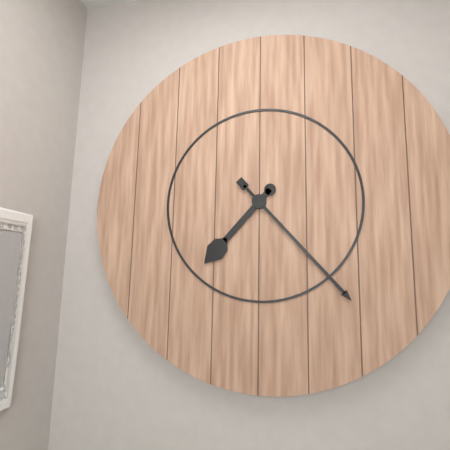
7,23
